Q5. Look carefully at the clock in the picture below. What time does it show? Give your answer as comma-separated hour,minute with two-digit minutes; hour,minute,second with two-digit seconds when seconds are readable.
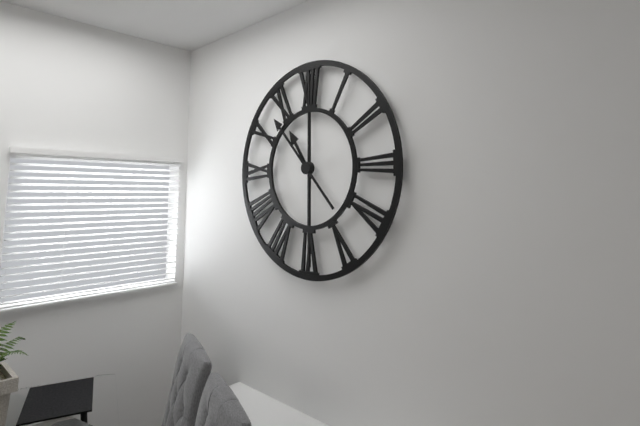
10,53
